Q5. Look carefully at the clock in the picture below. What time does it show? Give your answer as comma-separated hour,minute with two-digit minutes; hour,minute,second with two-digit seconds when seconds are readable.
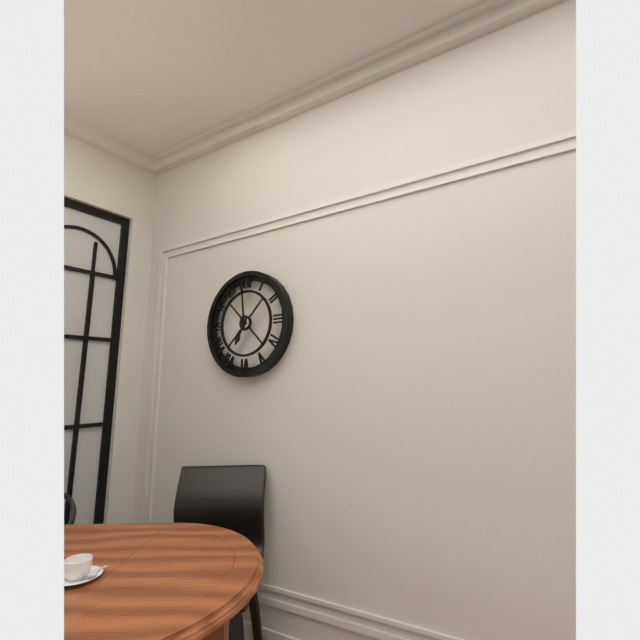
6,59
